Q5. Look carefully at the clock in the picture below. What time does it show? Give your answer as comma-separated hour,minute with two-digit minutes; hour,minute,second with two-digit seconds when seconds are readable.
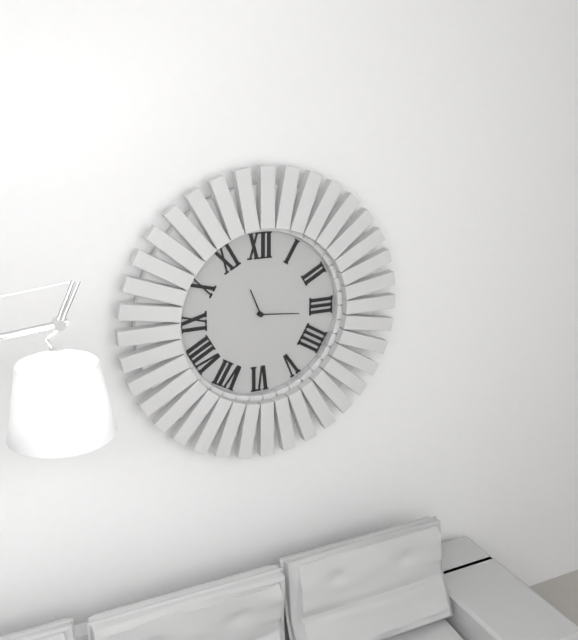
11,16
